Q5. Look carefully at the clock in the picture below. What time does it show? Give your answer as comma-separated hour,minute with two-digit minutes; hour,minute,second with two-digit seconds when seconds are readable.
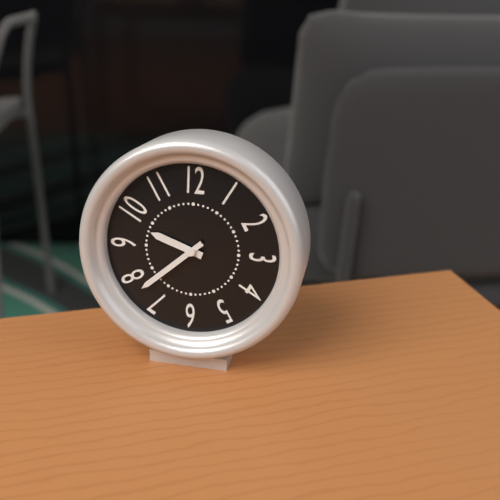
9,38
